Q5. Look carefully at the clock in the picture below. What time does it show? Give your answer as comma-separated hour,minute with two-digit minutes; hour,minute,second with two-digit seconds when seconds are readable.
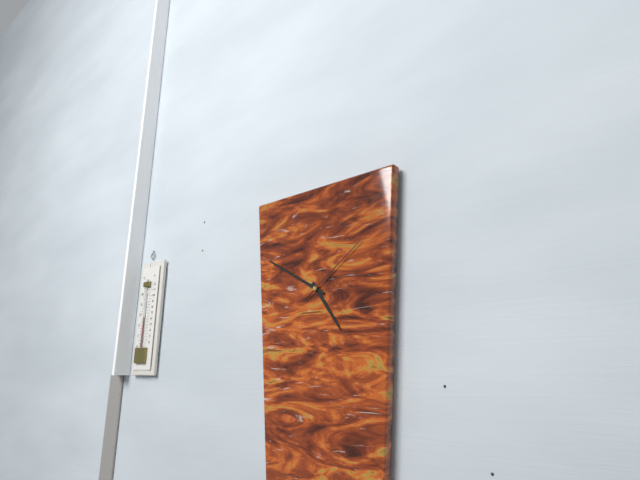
4,50,09
